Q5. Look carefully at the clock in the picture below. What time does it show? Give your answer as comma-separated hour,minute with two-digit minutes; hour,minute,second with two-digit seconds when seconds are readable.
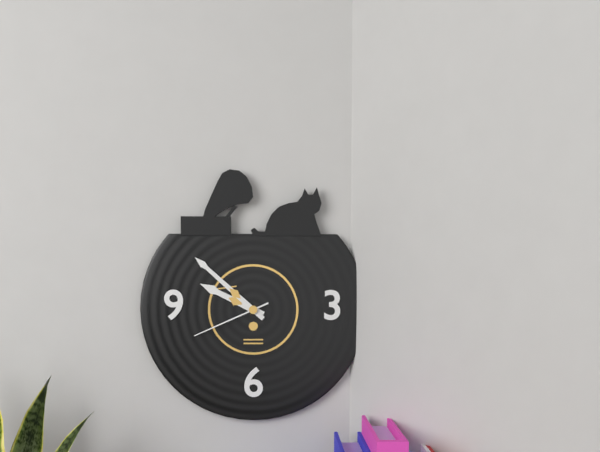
9,52,41
